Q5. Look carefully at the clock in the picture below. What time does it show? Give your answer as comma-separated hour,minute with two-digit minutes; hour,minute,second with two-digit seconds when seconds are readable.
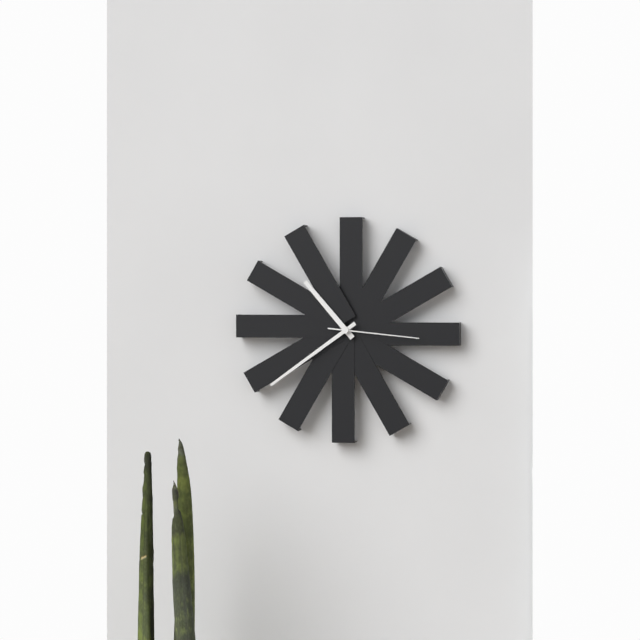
10,39,16
